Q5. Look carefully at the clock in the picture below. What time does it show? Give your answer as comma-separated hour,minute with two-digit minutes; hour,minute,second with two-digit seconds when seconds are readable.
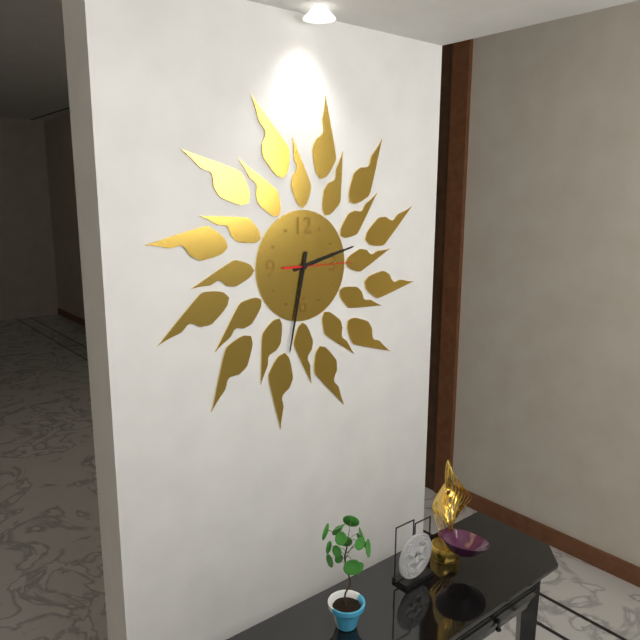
2,32,15
